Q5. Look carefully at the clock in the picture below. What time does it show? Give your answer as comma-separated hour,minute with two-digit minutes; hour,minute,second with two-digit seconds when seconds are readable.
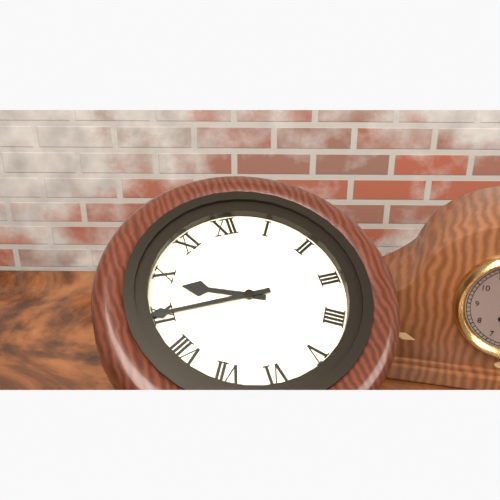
9,45
